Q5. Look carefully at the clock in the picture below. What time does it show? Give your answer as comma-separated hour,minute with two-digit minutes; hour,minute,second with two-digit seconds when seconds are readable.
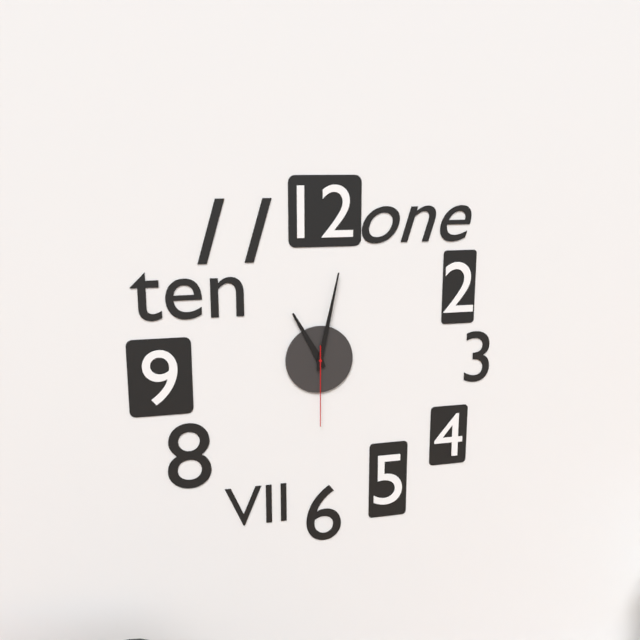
11,02,30
